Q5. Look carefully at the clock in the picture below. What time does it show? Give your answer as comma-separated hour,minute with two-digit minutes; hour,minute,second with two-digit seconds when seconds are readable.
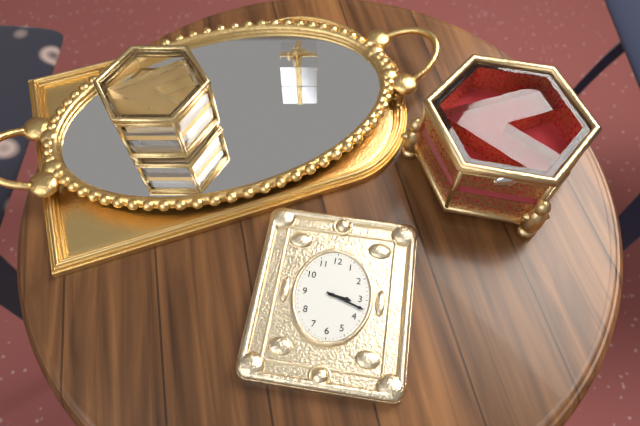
3,18
